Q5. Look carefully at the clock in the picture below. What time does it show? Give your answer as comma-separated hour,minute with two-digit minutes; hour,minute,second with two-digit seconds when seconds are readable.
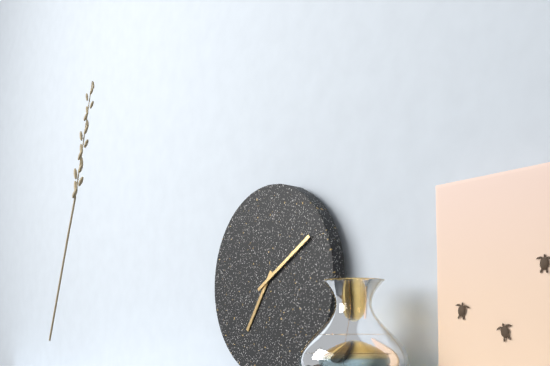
7,10
